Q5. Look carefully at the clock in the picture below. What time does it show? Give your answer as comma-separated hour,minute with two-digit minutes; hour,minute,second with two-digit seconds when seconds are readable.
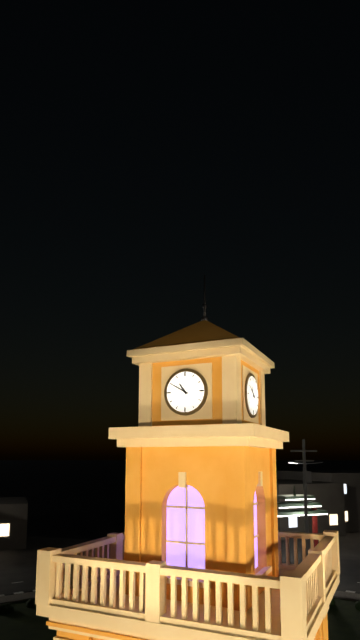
10,50
